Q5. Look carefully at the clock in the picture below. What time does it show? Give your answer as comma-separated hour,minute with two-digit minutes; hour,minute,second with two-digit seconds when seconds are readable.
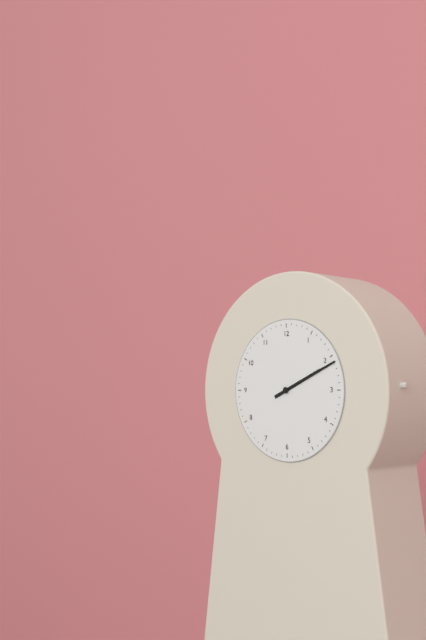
2,11
